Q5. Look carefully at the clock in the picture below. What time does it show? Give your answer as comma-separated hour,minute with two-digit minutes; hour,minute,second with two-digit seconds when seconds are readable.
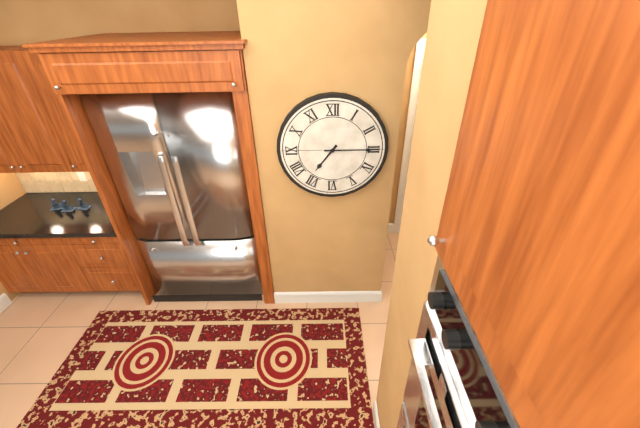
7,15
